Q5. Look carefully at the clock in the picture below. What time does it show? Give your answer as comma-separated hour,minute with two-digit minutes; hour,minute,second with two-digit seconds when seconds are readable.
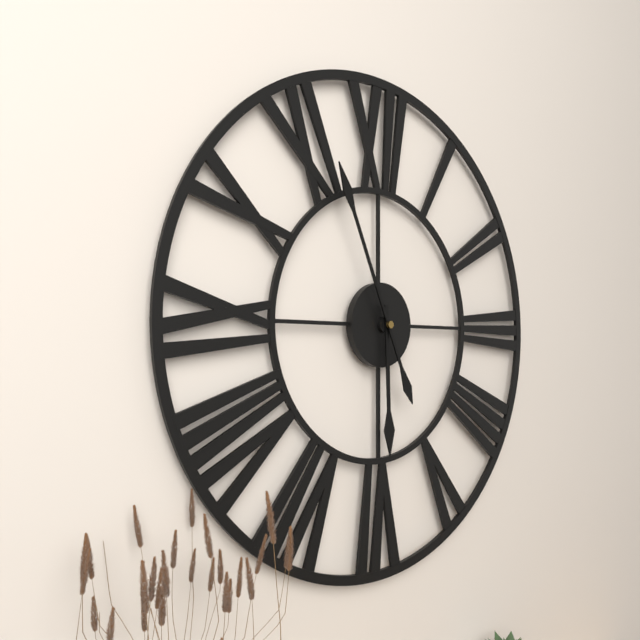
5,56
